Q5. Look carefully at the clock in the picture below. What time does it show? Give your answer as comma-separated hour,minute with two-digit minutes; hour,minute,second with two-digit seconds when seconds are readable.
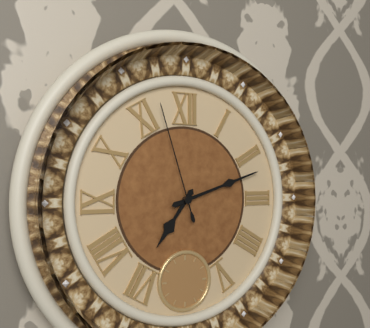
7,12,57
